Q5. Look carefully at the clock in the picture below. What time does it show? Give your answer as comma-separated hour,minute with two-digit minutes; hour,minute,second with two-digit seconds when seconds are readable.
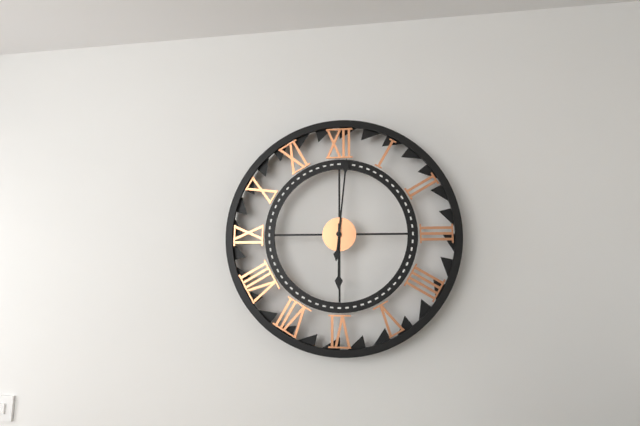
6,01
